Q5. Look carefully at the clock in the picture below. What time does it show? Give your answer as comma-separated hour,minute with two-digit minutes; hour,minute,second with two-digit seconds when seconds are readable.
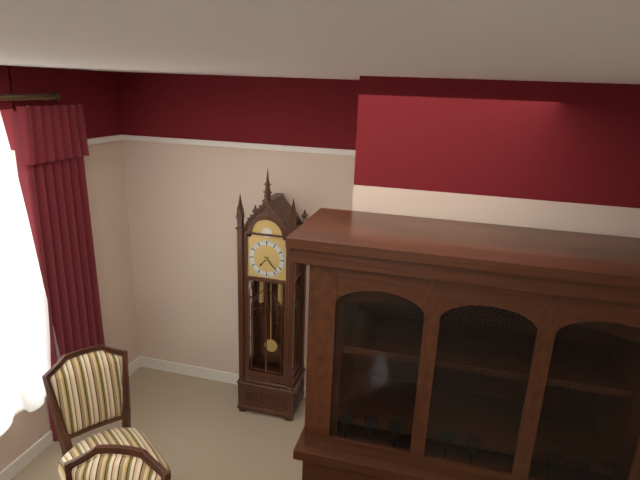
7,23
